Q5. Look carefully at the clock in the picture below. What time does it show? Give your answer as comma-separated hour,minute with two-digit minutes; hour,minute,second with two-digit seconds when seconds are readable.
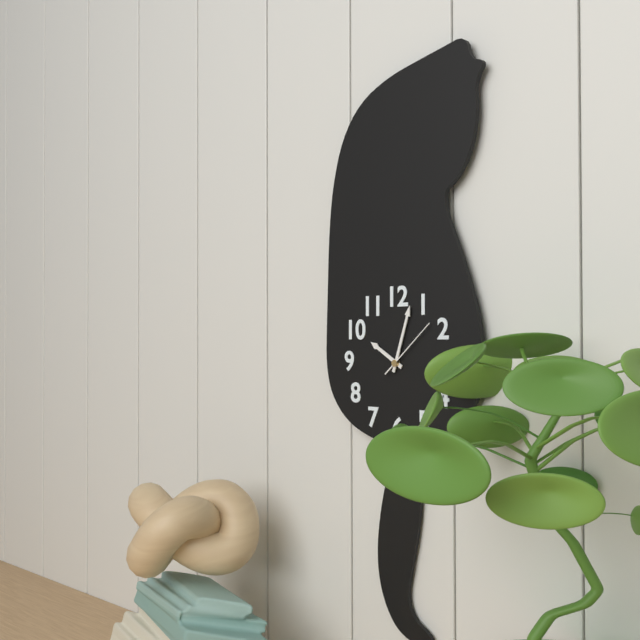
10,03,08
